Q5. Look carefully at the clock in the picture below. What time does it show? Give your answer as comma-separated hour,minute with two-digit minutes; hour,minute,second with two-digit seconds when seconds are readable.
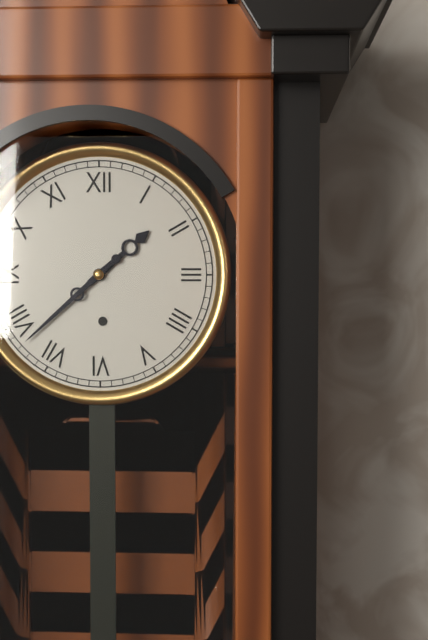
1,38
